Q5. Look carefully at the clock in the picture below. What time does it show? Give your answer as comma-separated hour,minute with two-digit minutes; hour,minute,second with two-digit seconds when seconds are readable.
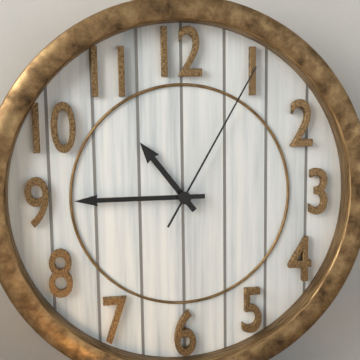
10,45,05
